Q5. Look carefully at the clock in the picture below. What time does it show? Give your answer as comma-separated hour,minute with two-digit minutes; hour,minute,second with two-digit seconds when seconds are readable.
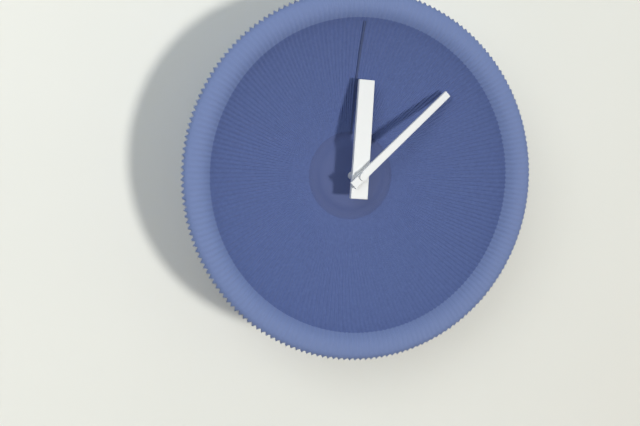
12,08
